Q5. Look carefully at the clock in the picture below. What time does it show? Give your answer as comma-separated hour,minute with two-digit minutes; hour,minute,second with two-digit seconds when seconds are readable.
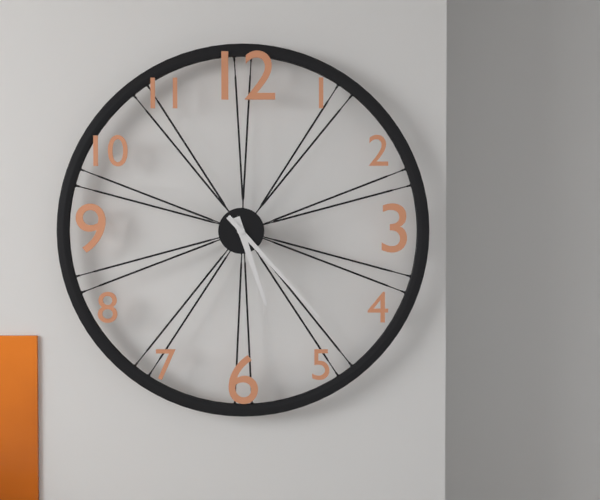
5,23
